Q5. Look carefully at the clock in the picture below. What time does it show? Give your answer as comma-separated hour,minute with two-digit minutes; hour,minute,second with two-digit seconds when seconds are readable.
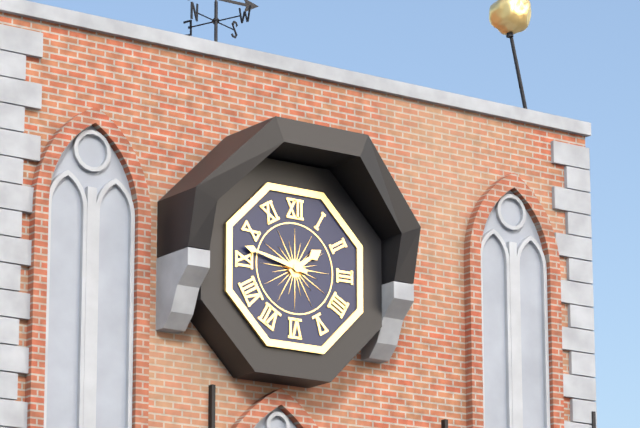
1,47
